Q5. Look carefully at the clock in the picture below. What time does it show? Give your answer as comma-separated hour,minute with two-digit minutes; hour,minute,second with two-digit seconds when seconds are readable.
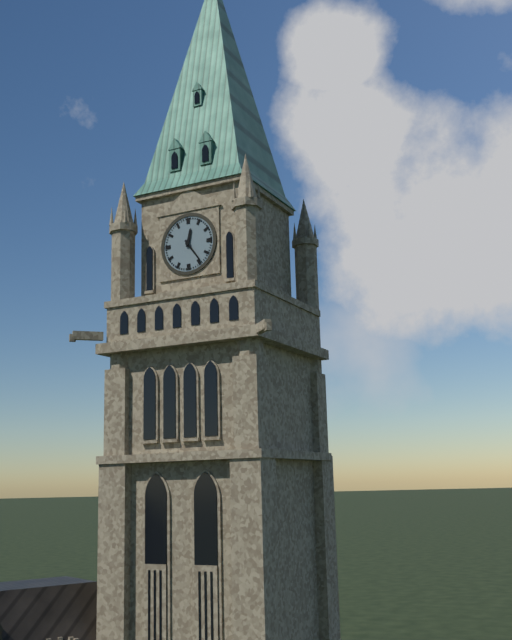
12,24
